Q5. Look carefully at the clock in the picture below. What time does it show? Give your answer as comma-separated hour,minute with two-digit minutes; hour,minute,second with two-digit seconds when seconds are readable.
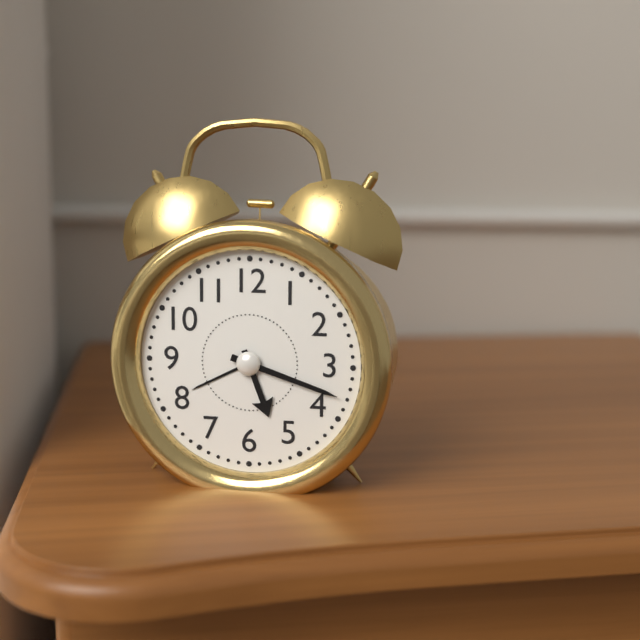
5,18
